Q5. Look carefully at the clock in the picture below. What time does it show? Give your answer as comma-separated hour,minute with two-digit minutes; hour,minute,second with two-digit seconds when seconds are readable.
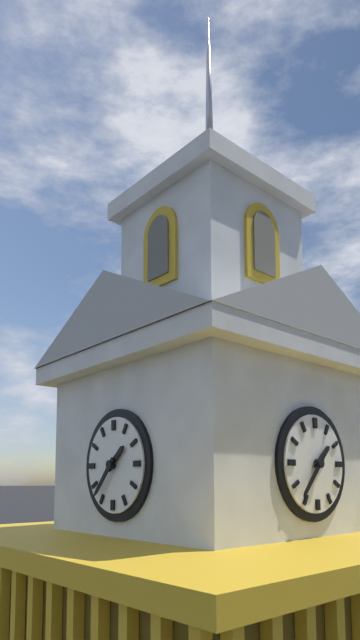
1,37
